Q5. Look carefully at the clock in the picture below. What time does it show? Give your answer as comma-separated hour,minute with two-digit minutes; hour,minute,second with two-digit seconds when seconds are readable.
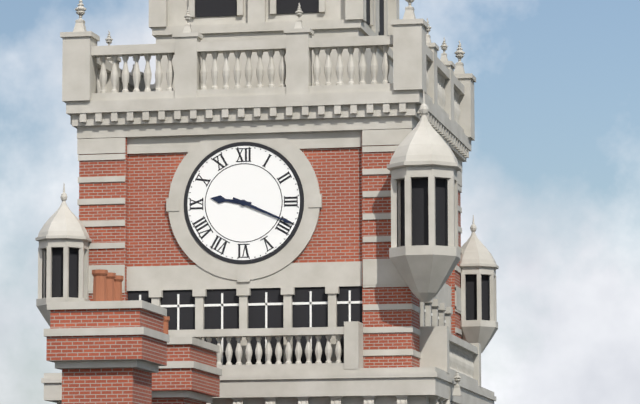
9,19
